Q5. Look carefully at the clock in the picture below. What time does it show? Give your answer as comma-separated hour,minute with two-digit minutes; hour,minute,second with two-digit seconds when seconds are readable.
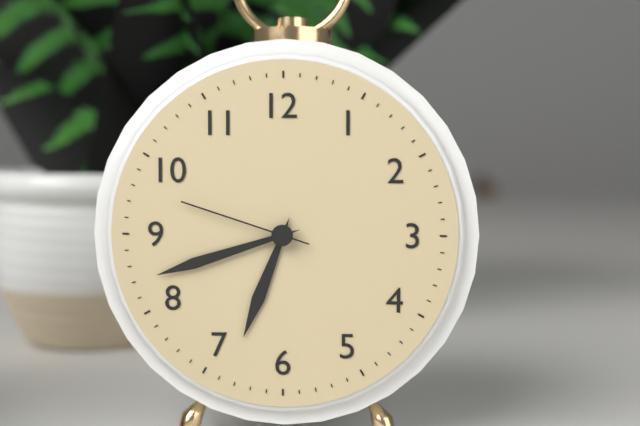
6,42,48
